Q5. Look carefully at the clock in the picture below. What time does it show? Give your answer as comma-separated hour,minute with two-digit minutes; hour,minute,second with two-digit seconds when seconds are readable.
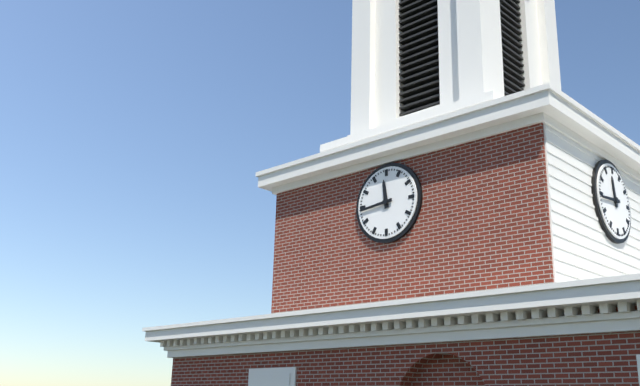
11,44
